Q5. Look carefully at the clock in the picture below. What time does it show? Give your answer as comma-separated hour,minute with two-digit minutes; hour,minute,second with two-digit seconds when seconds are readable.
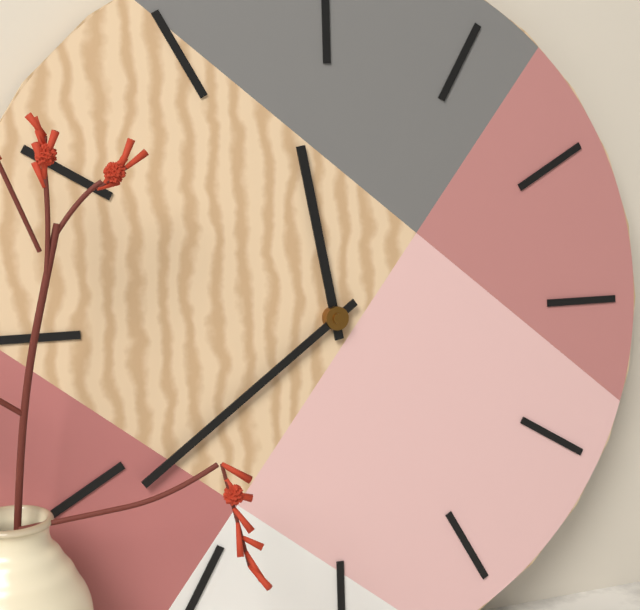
11,39
